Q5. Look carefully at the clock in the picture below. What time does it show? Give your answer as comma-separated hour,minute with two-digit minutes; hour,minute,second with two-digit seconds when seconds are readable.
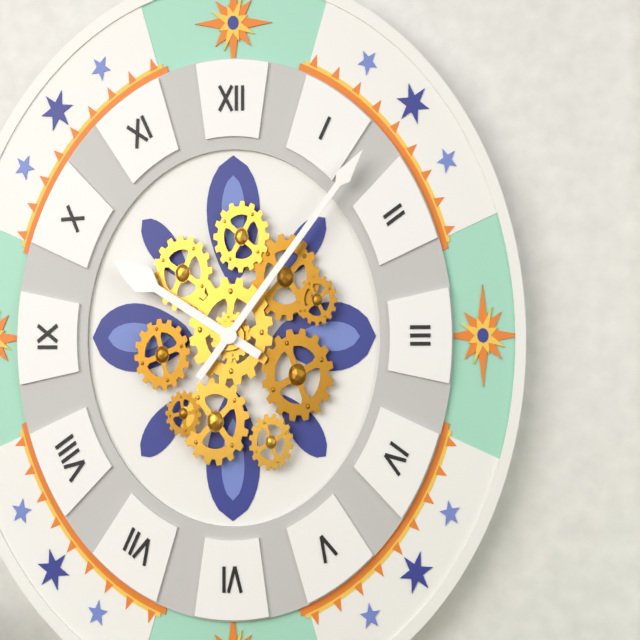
10,06
